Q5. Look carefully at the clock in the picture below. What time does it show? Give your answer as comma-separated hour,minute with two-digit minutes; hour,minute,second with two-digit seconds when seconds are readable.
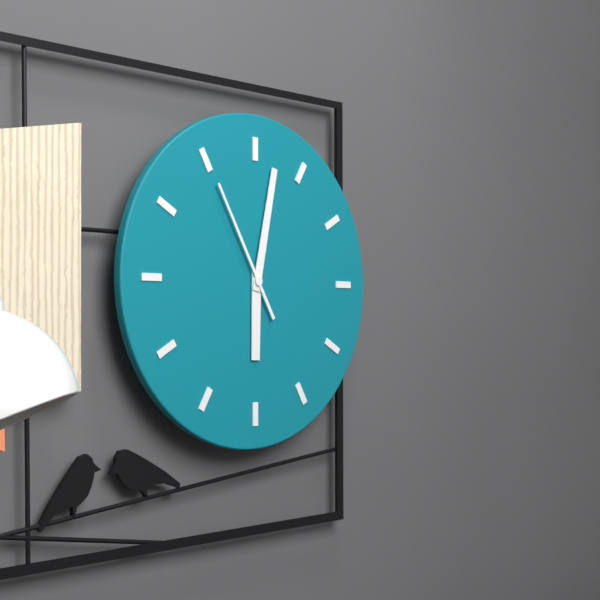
6,02,55
